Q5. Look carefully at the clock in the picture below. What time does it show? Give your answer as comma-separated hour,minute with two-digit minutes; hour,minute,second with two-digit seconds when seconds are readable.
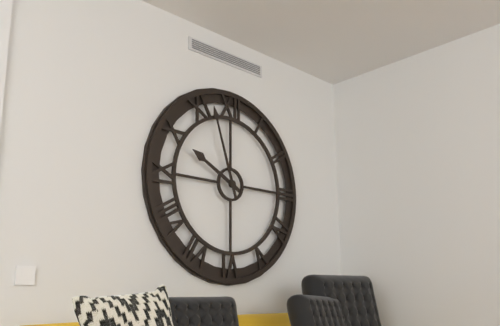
9,57
